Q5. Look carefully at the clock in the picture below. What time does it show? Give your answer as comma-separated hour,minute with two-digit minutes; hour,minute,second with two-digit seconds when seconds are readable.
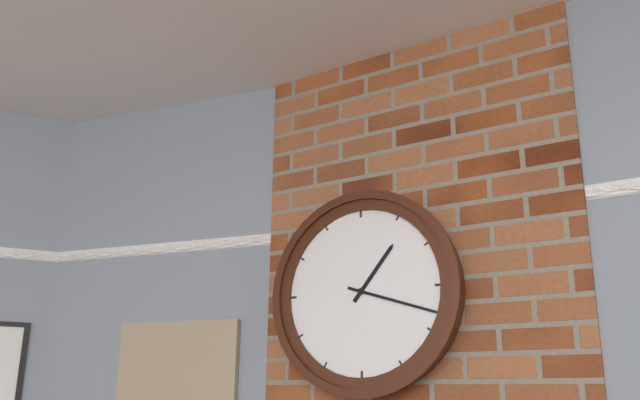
1,18
